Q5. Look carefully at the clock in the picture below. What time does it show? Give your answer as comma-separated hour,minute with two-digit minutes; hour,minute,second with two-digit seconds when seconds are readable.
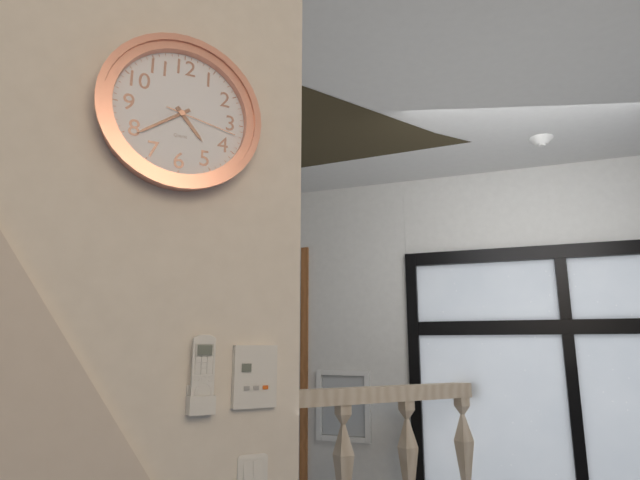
4,39,17
